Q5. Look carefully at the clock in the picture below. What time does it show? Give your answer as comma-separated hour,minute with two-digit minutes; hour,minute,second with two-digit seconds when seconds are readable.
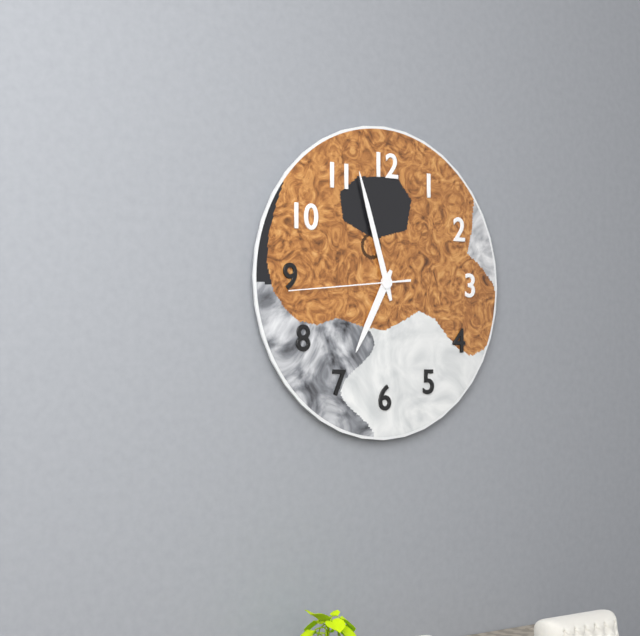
6,57,44
